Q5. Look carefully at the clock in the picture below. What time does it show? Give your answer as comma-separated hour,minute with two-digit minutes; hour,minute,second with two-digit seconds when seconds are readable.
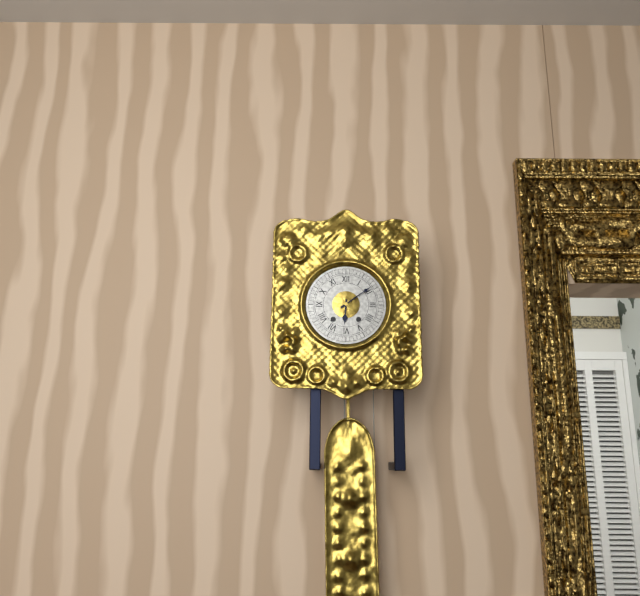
6,09
